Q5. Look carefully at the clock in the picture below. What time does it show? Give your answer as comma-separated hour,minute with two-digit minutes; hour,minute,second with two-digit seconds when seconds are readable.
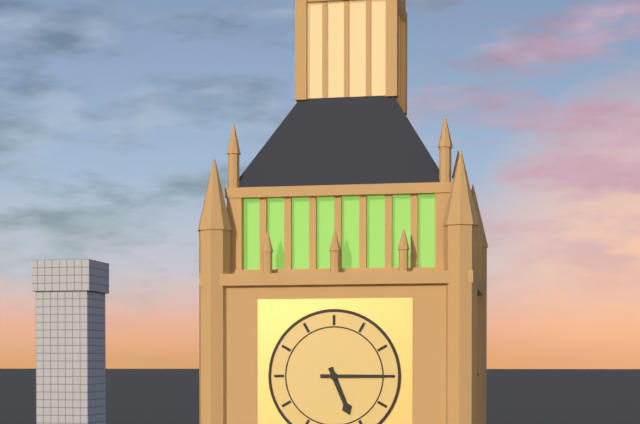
5,15
